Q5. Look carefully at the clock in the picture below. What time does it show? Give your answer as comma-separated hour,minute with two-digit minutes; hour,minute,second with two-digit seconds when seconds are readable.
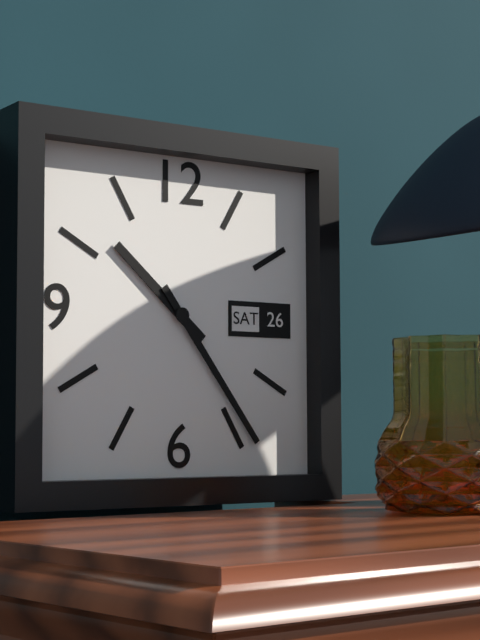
10,24
